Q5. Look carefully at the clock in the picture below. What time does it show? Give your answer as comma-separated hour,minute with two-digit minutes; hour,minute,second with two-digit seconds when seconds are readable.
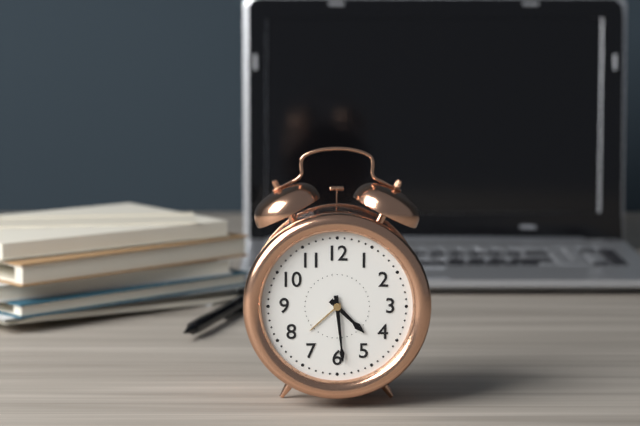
4,29
